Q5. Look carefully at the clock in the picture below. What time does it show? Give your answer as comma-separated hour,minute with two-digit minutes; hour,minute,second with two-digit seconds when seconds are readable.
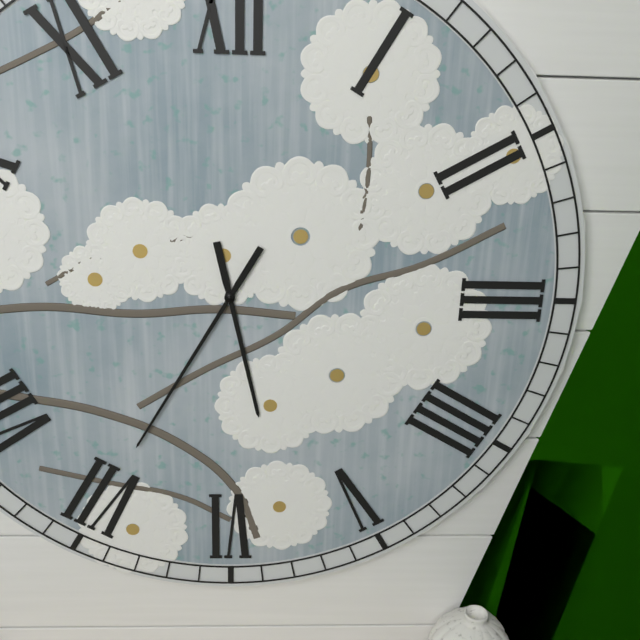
5,35
